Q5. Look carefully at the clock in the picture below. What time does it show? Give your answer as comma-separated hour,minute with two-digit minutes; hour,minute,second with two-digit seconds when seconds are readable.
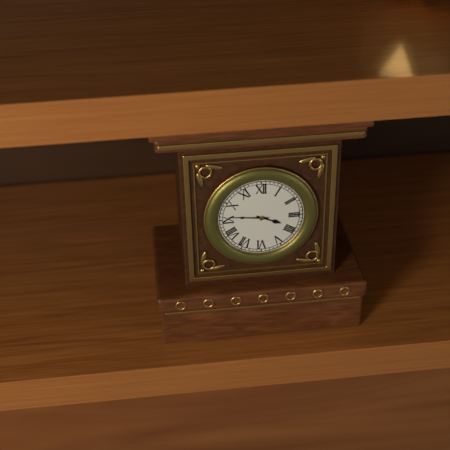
3,46
